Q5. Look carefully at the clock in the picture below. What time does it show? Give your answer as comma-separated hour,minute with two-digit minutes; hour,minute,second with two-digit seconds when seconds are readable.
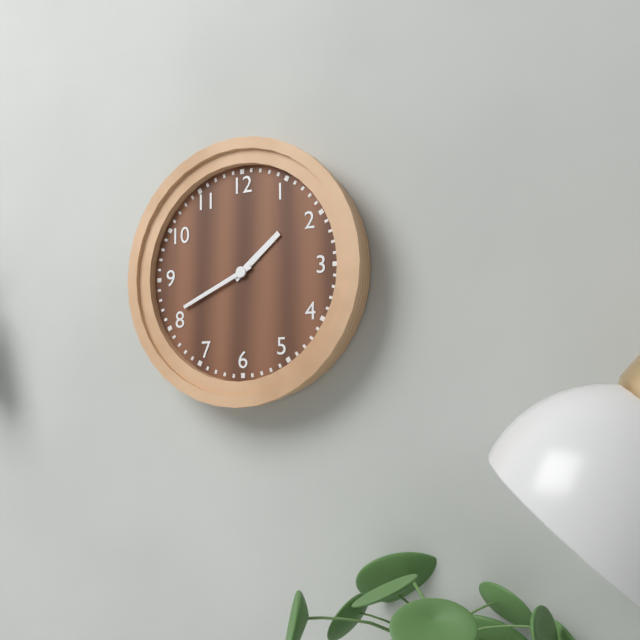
1,41
